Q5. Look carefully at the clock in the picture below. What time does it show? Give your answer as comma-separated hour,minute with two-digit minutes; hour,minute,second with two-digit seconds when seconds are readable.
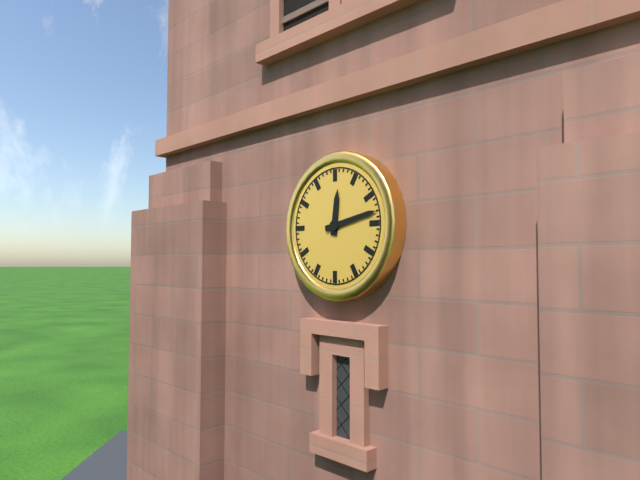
12,13
